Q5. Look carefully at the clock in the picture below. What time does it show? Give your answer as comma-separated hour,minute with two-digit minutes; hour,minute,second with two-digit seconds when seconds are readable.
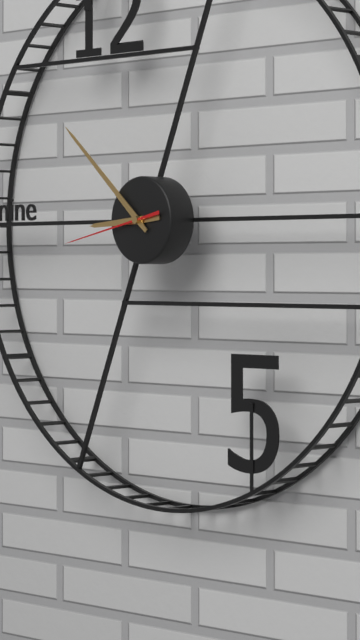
8,52,43
